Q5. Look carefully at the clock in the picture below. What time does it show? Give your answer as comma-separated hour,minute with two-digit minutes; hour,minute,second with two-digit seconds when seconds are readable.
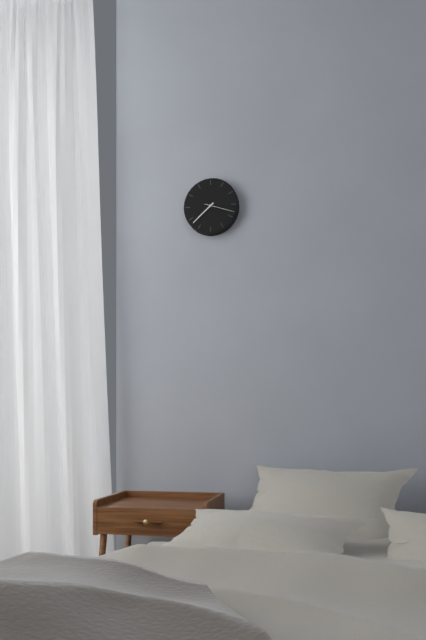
7,38
